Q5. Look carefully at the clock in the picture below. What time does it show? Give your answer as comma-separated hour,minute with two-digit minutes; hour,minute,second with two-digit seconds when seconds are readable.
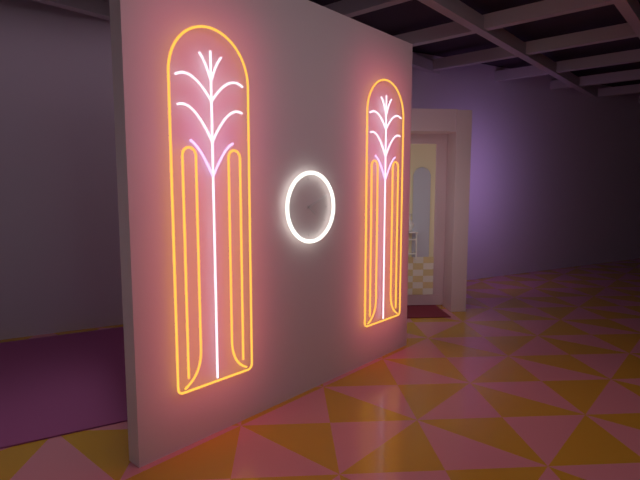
4,11
